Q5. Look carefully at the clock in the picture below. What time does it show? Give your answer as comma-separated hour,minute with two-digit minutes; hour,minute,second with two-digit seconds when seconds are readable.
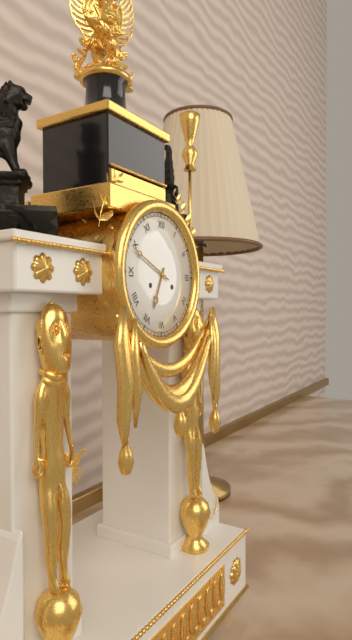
6,49
